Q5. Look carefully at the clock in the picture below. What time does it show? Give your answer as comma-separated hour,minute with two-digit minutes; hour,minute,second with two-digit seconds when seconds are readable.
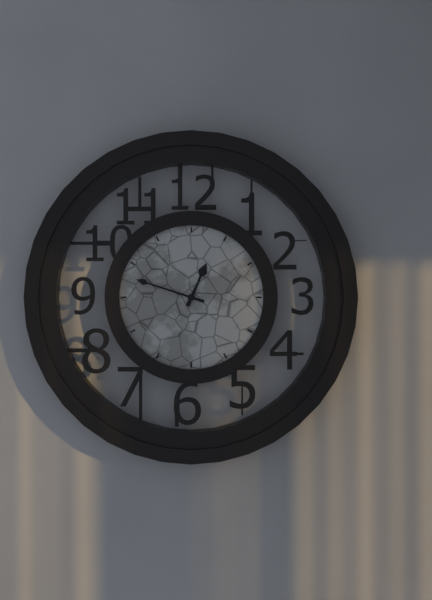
12,48
